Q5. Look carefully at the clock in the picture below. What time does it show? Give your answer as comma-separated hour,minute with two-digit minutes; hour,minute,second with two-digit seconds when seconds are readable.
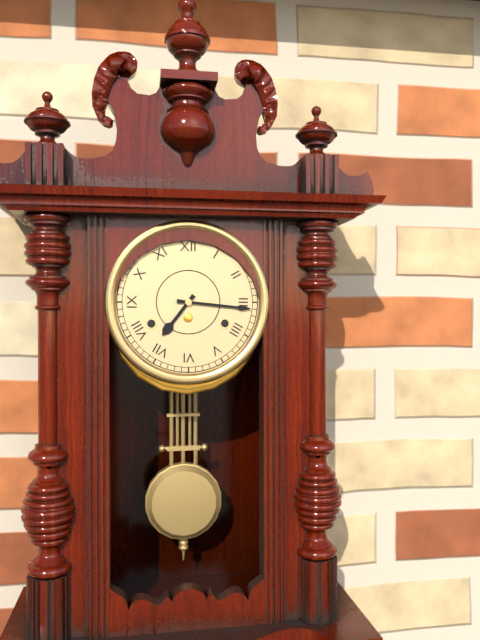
7,16
